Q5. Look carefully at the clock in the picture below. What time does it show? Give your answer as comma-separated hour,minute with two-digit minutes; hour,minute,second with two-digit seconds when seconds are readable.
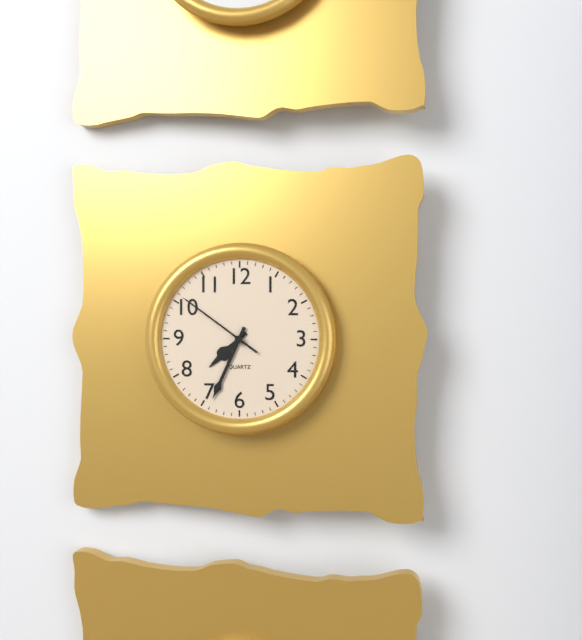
7,34,51
